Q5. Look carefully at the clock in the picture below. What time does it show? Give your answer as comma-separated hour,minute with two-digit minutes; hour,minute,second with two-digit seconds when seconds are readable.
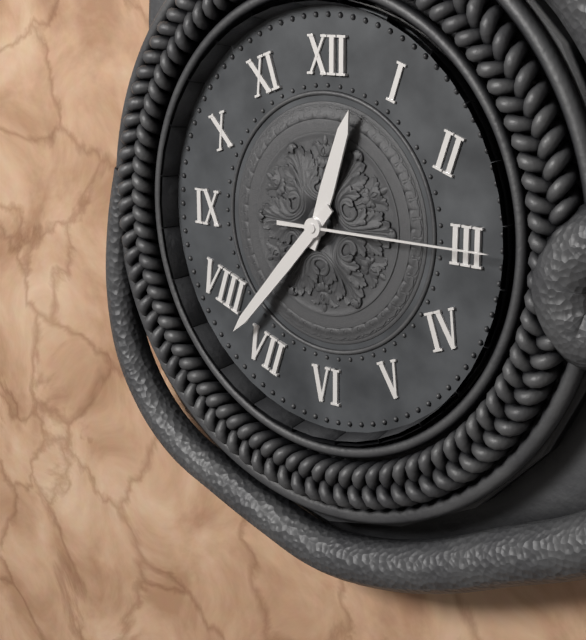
12,37,15
